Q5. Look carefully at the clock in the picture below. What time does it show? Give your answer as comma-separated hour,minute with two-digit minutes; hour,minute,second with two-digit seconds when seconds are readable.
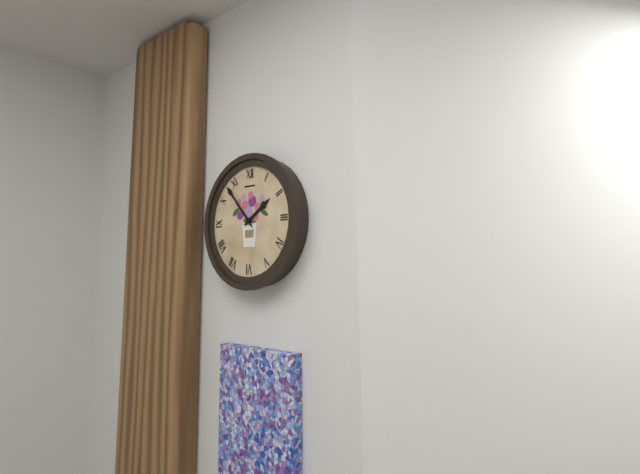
1,53
